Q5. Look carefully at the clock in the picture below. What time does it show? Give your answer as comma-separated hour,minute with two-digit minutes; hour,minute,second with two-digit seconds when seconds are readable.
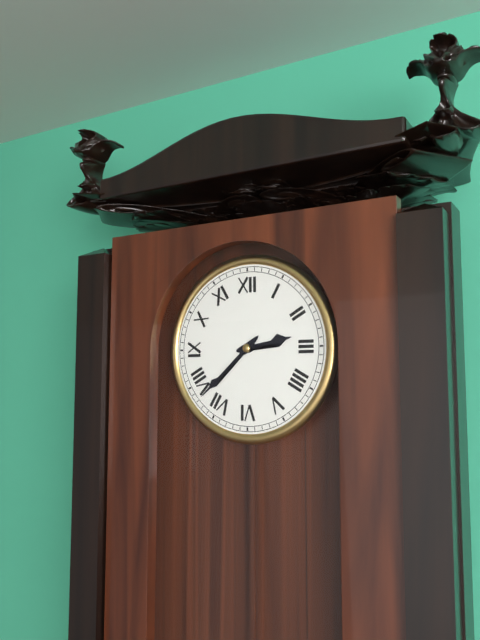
2,38
